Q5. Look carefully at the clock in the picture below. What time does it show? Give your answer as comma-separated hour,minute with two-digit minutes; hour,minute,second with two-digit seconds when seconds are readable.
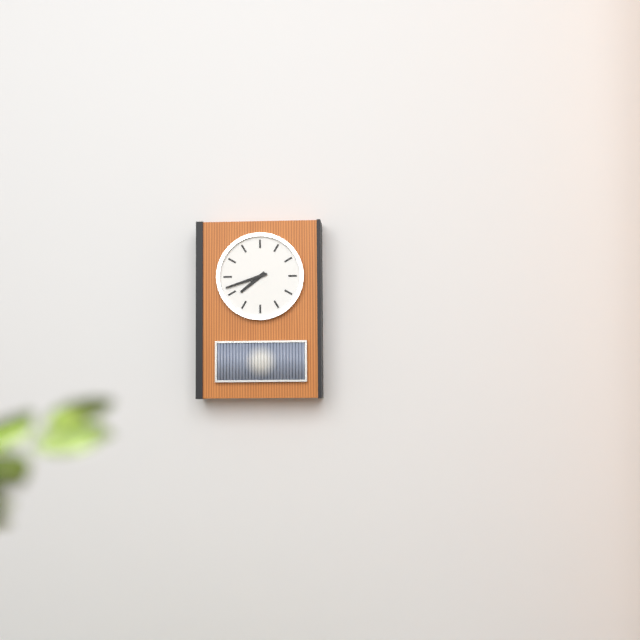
7,42
